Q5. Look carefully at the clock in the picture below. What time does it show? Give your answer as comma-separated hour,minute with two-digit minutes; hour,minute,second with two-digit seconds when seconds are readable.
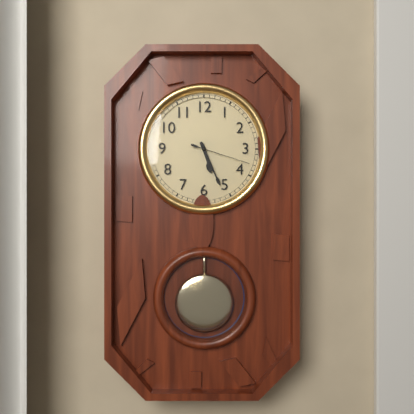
5,26,18
